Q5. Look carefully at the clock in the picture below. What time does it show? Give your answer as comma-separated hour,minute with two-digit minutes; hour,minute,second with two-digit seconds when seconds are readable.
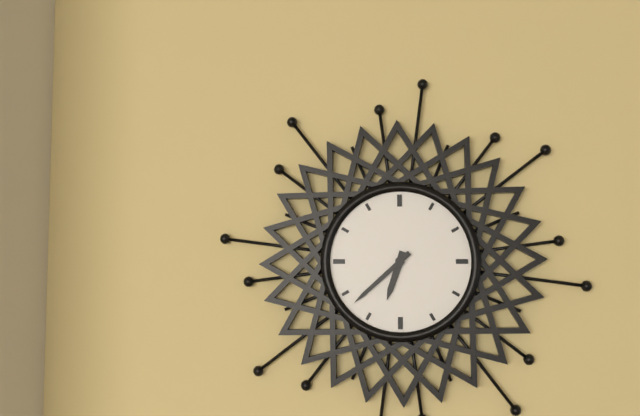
6,38
